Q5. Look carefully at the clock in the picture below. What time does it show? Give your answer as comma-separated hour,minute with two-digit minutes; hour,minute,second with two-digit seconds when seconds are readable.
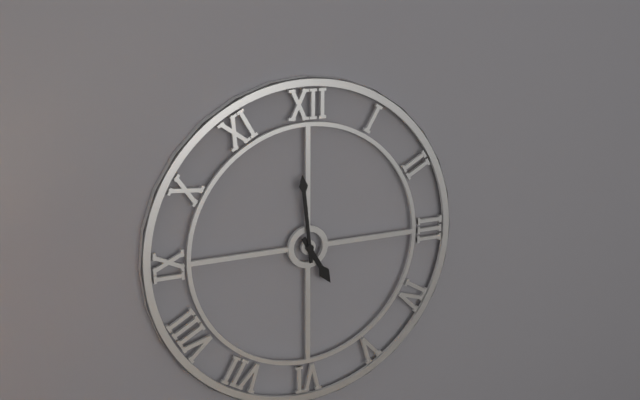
4,59
